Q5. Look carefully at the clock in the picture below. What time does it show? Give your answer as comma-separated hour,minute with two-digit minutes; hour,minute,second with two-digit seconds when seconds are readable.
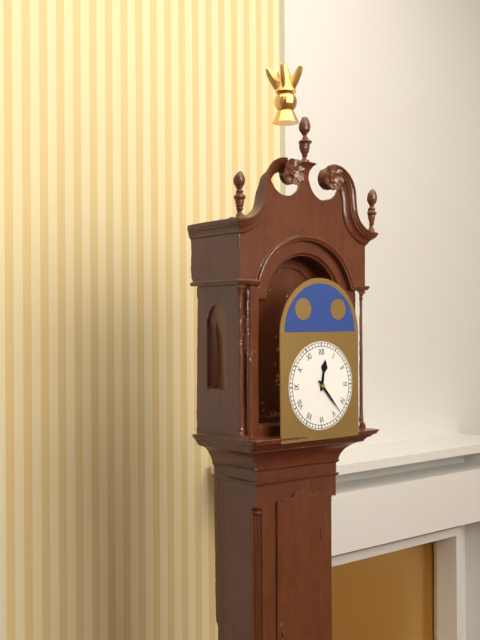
12,23
